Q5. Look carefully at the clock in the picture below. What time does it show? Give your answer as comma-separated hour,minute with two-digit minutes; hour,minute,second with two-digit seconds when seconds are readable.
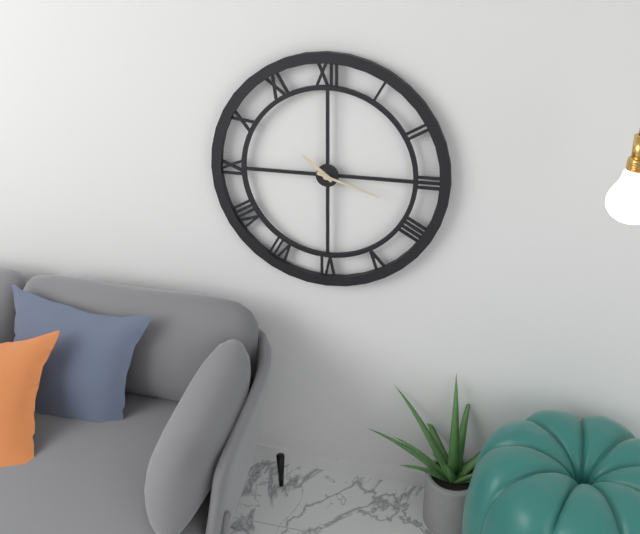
10,18
